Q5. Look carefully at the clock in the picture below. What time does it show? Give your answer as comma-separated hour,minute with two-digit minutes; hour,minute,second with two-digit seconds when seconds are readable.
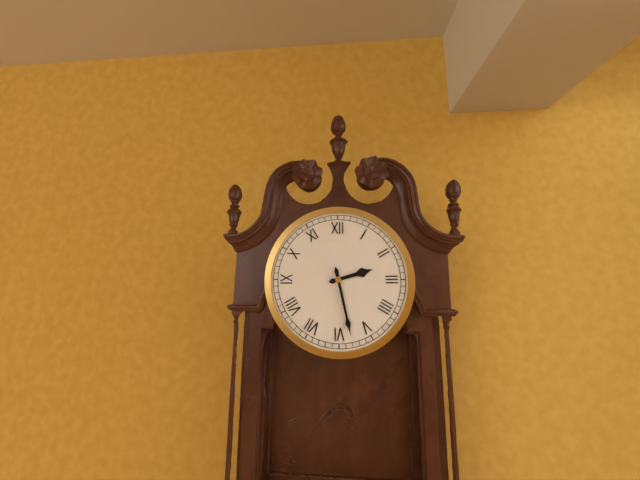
2,28
